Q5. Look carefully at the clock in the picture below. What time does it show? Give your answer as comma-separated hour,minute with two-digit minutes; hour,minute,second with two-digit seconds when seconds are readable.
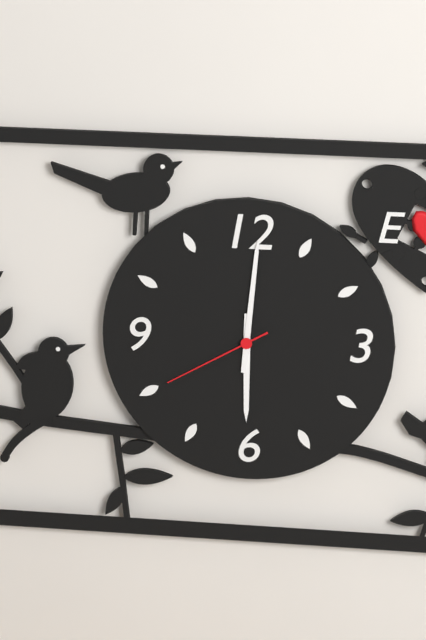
6,01,40
